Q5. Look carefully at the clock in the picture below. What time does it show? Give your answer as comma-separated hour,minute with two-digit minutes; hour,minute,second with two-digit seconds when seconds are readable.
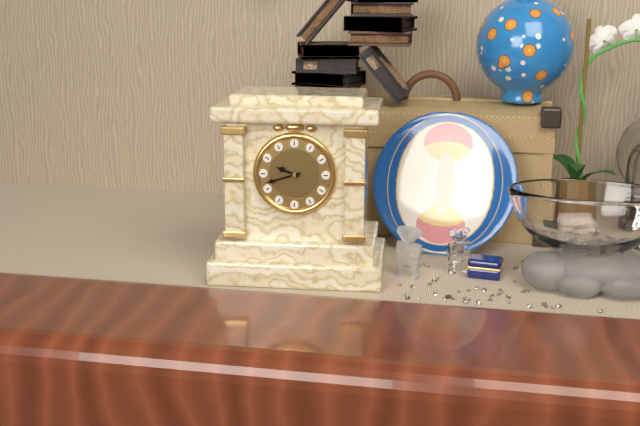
9,42
